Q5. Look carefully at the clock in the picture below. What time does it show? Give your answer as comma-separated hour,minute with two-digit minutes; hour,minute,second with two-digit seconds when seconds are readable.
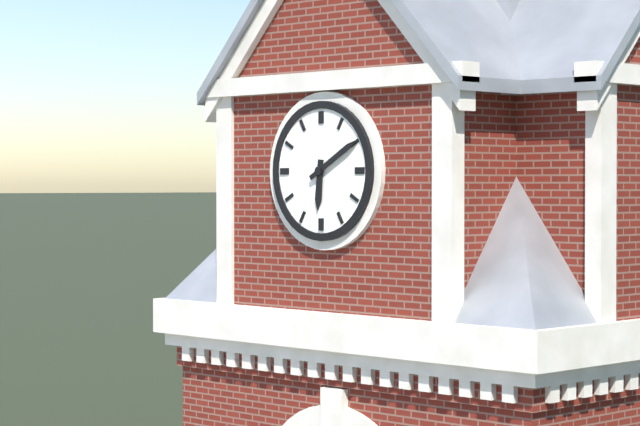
6,10
